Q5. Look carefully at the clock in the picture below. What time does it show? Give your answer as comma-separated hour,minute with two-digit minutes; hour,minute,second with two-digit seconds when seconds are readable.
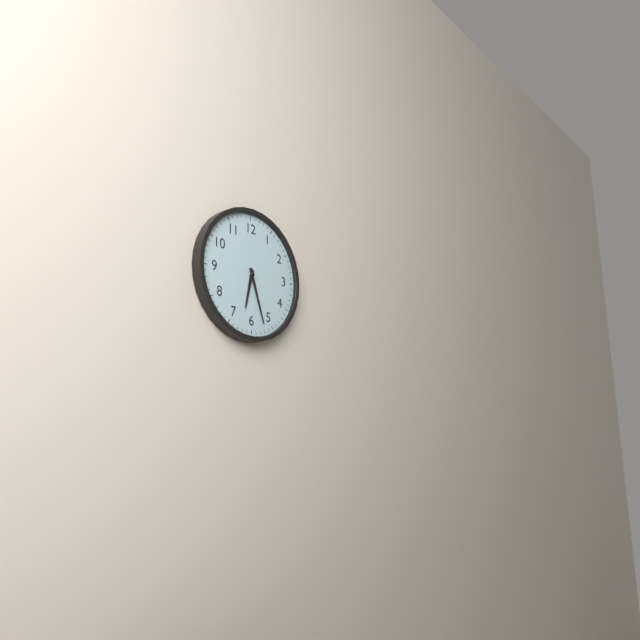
6,27
